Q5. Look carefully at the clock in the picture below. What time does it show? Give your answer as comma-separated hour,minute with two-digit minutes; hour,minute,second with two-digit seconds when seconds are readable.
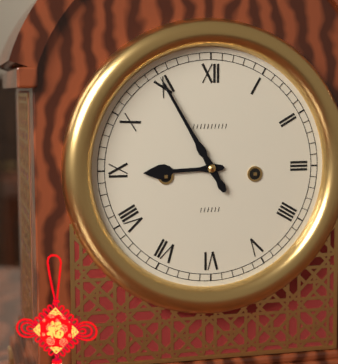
8,55
